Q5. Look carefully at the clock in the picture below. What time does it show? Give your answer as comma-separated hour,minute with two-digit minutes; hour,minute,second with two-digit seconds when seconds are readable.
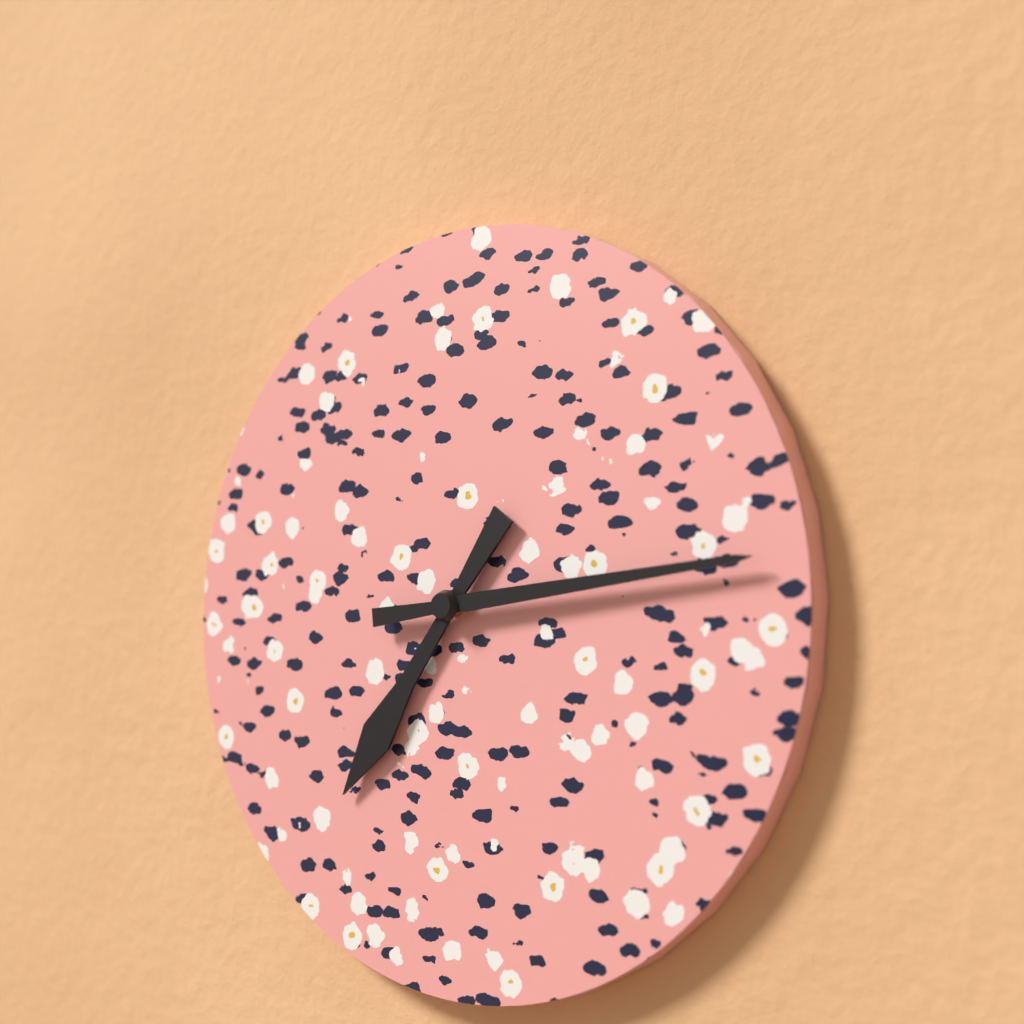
7,14
